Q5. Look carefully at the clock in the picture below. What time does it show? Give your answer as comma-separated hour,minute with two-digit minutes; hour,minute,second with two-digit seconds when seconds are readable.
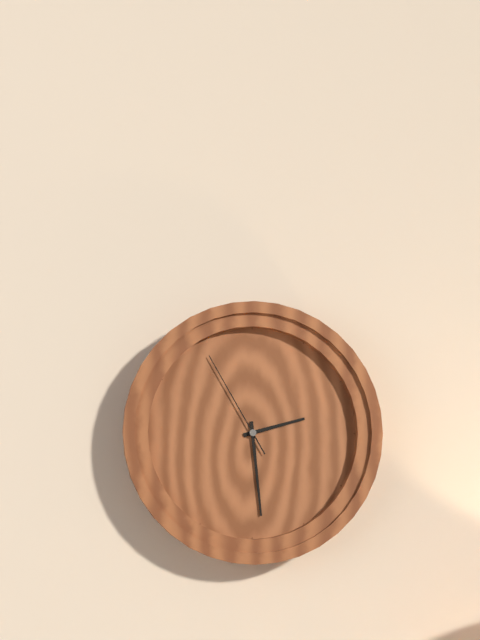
2,29,55
